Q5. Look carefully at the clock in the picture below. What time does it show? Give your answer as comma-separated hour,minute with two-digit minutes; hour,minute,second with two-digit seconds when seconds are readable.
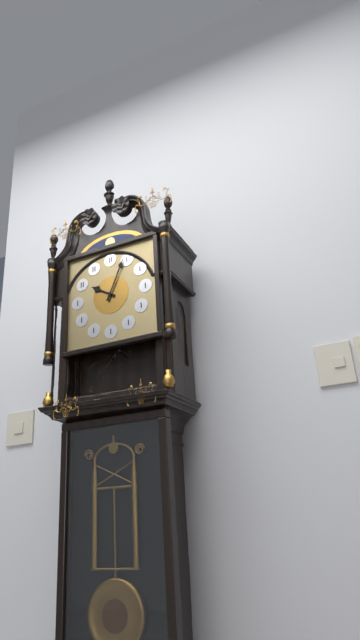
10,04
